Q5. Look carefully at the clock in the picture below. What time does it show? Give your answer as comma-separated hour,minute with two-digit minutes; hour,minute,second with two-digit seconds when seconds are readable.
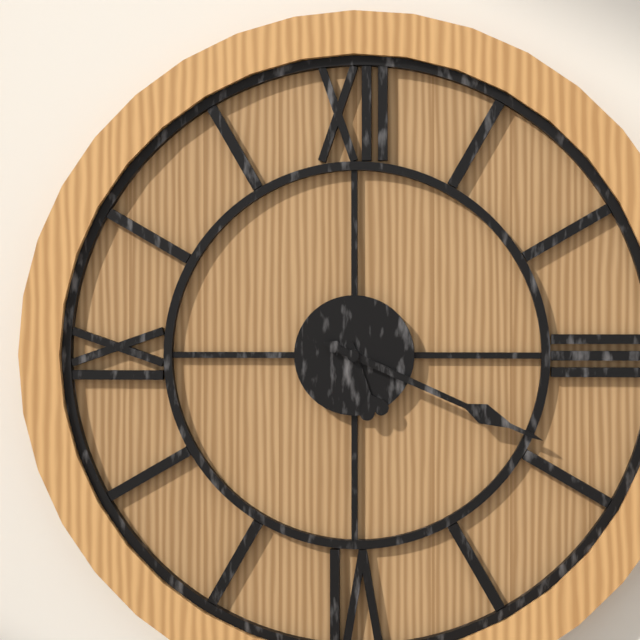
5,19
